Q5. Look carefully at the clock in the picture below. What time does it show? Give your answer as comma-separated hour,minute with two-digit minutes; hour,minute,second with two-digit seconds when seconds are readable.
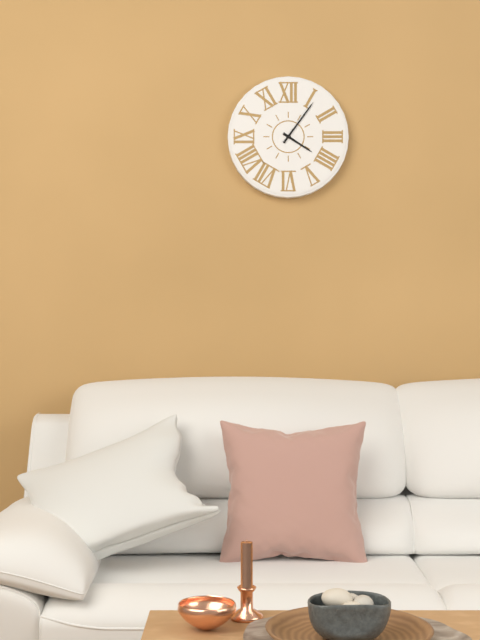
4,06
